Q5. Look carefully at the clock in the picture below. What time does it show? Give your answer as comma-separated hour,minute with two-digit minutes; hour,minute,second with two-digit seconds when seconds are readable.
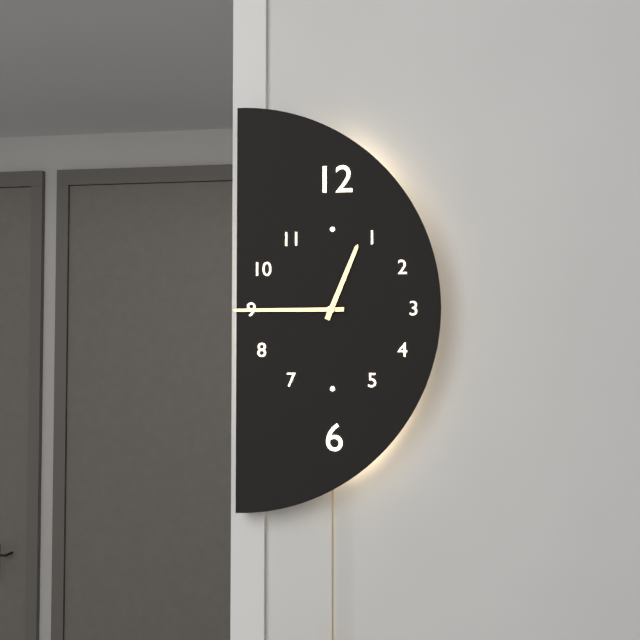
12,45
